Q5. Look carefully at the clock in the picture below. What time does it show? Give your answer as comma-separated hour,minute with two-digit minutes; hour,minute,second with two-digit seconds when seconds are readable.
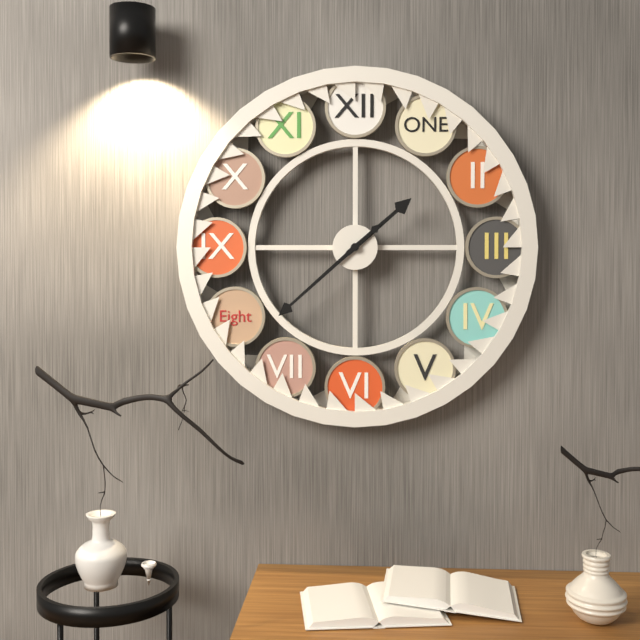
1,38
